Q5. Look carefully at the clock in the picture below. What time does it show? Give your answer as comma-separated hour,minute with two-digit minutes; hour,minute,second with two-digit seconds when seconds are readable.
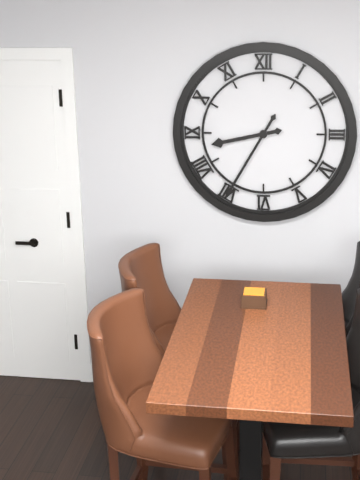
8,35
